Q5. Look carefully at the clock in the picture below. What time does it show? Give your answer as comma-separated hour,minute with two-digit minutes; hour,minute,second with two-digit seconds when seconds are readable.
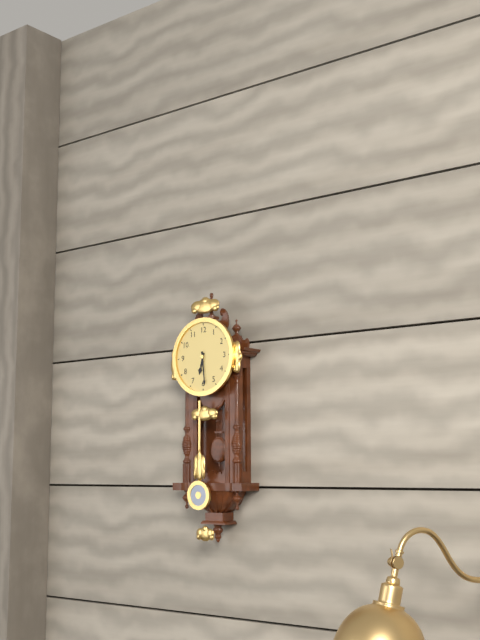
6,29
